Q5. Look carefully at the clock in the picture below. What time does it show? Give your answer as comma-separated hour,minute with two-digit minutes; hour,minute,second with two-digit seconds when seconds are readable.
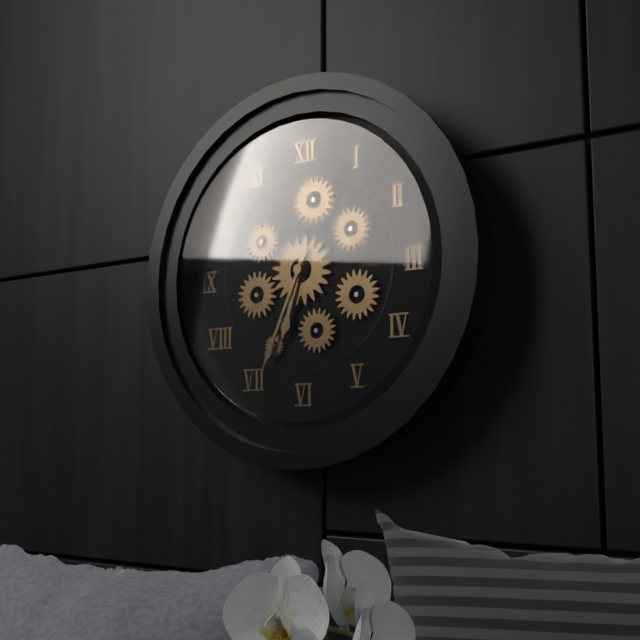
6,34
